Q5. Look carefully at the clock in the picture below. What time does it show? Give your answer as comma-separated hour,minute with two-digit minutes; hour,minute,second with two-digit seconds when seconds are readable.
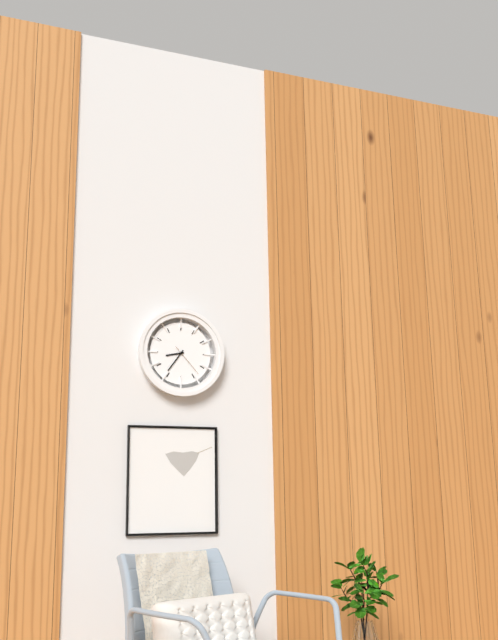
8,36
